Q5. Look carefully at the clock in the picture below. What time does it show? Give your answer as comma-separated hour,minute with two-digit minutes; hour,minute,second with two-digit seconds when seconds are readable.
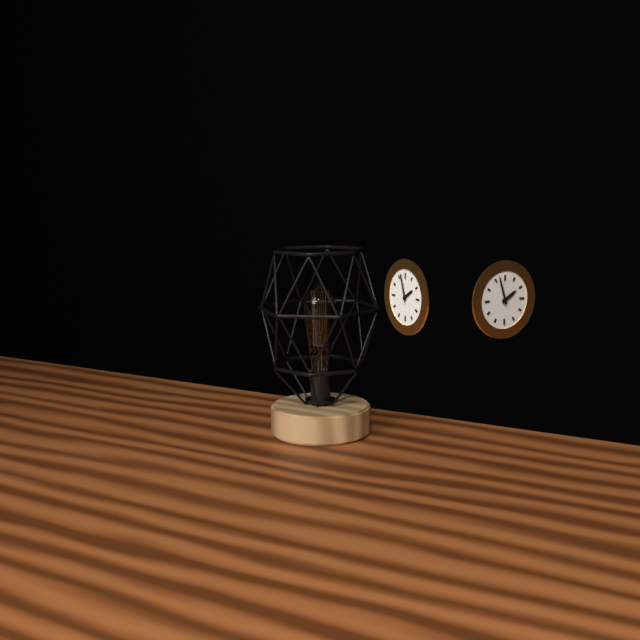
1,57
